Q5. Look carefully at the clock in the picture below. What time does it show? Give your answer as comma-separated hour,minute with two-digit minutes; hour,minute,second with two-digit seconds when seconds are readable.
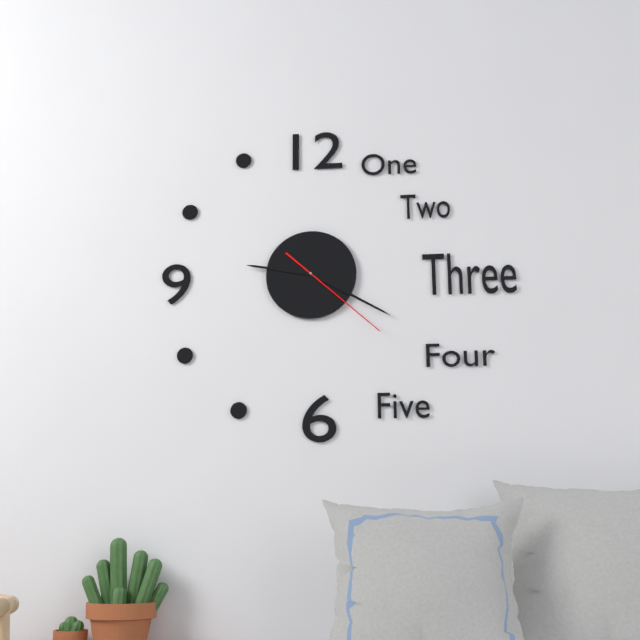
9,20,22
